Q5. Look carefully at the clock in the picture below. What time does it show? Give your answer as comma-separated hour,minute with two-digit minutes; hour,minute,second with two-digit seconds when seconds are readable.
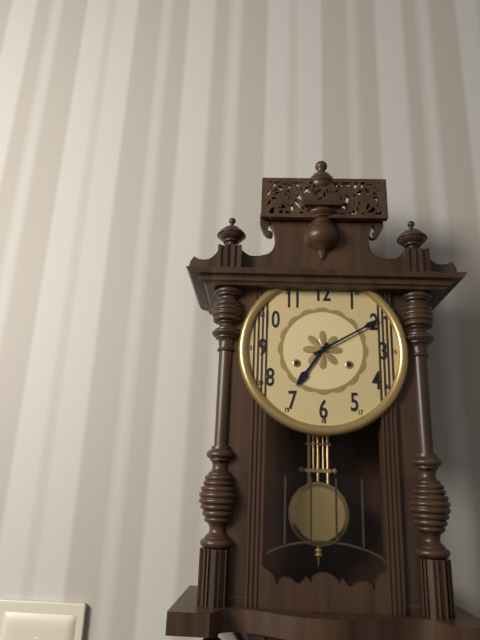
7,10
